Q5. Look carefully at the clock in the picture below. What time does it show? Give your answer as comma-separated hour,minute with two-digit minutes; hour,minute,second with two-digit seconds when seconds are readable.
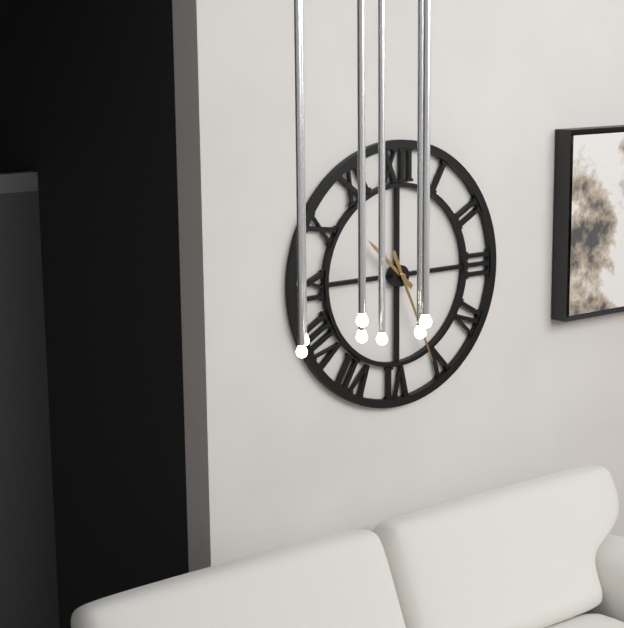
10,26
